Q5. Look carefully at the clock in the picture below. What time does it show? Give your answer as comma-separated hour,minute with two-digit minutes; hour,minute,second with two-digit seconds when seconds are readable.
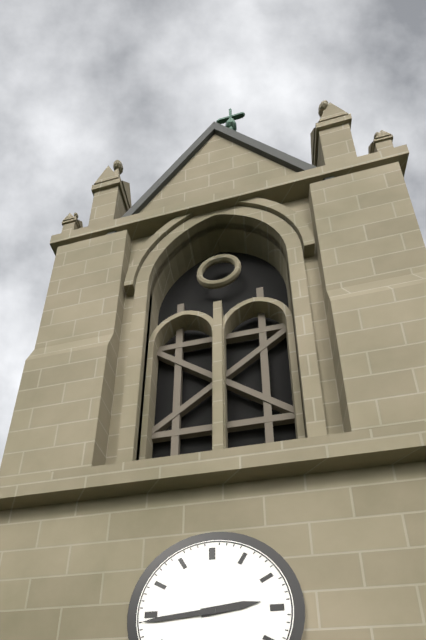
2,44
